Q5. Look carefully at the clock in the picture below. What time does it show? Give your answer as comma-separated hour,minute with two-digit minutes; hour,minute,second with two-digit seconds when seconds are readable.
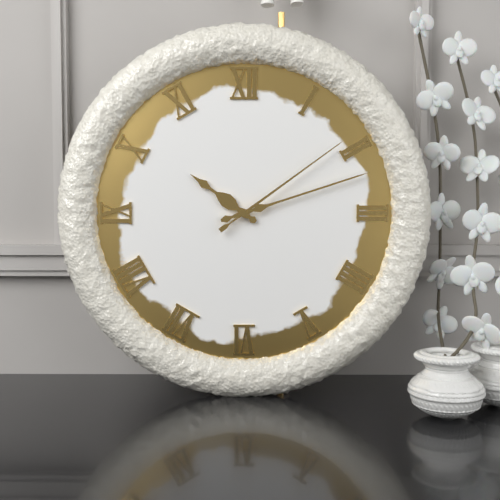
10,12,09
